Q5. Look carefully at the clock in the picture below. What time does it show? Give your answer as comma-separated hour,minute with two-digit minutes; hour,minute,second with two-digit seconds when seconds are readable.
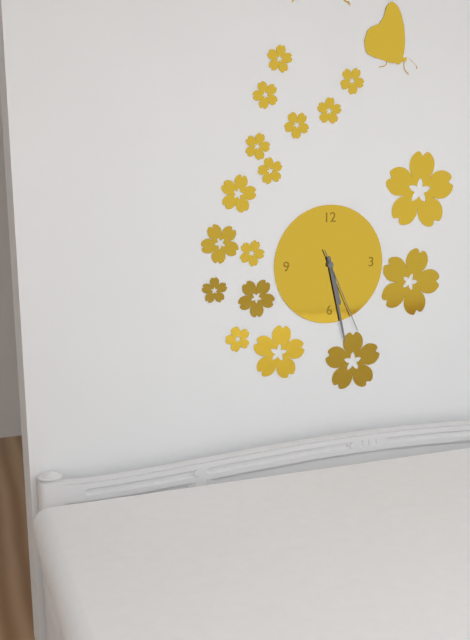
5,28,26
